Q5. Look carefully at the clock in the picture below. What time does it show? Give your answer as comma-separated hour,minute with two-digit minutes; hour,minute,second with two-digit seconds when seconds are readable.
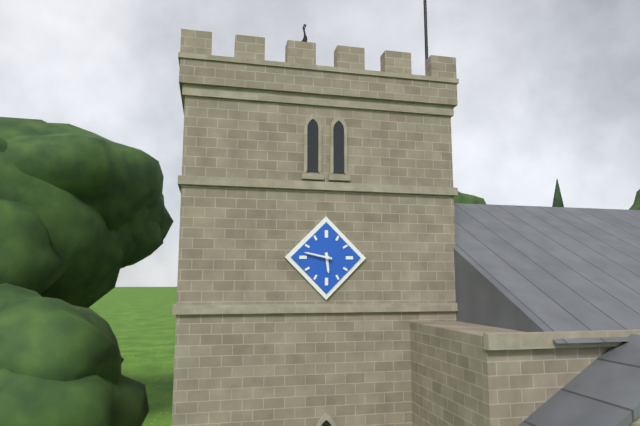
5,47
